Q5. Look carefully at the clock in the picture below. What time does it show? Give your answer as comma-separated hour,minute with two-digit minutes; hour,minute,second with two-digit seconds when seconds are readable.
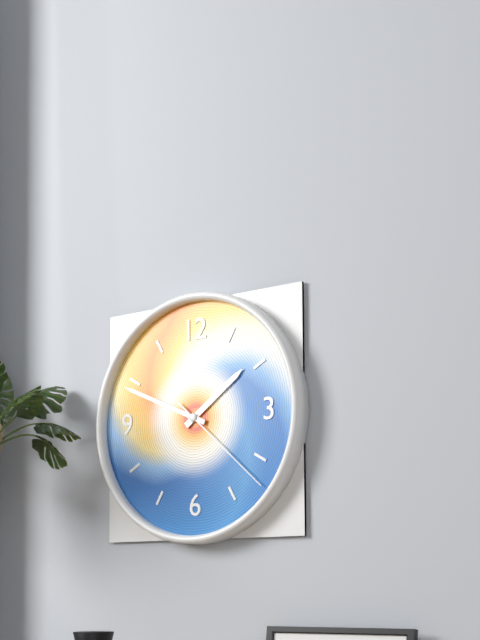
1,49,22
